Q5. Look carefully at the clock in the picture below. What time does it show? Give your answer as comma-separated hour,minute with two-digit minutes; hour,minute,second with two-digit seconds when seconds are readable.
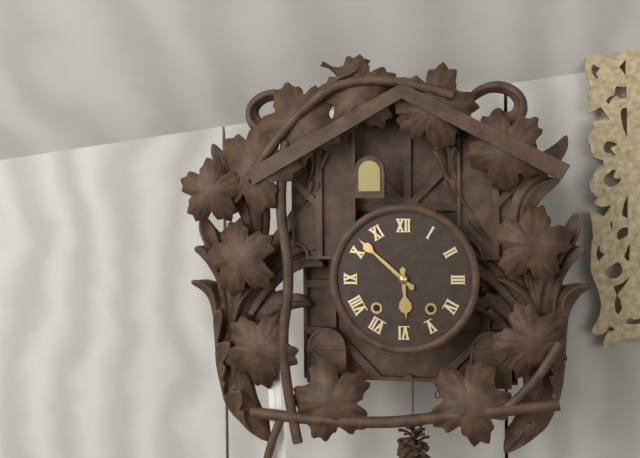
5,52
